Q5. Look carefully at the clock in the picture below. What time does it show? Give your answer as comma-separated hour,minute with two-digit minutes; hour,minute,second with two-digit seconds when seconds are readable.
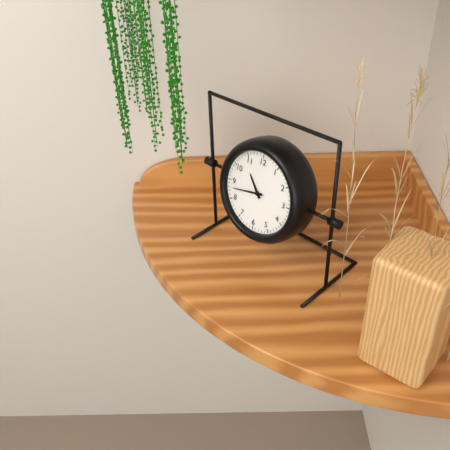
10,43
